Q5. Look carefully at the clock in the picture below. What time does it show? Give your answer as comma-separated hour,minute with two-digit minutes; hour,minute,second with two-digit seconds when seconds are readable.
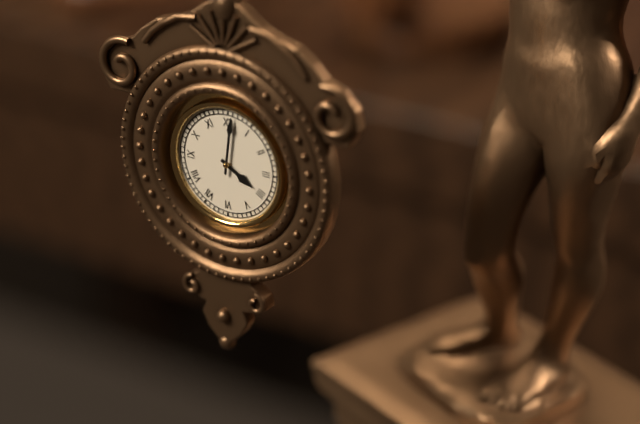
4,01
